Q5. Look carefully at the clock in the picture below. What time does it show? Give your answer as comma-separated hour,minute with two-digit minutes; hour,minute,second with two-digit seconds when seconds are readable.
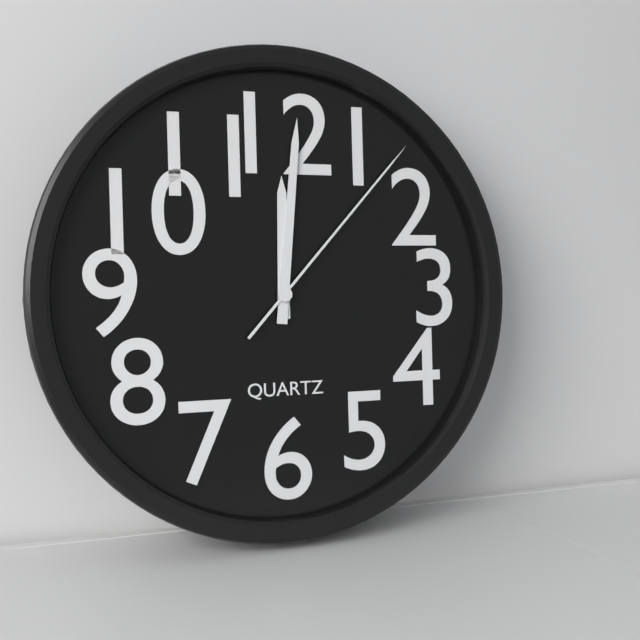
12,01,07
